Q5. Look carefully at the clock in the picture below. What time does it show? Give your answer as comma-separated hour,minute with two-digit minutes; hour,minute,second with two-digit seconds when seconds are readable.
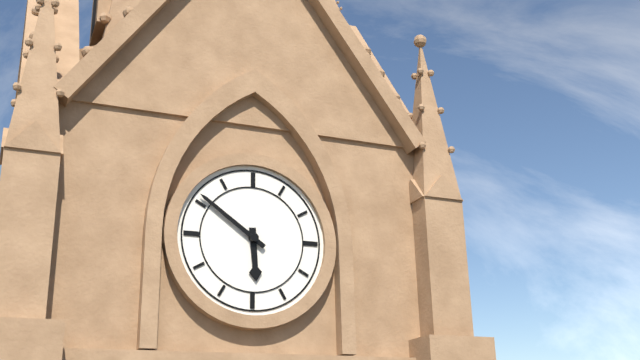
5,51
